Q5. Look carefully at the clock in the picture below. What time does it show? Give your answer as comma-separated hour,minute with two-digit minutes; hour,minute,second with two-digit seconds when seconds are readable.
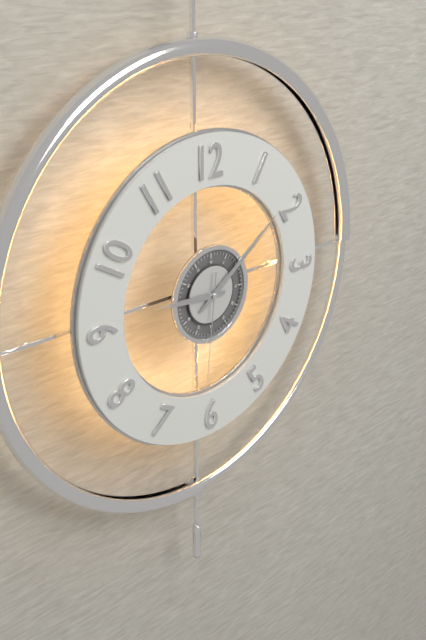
9,09,31
